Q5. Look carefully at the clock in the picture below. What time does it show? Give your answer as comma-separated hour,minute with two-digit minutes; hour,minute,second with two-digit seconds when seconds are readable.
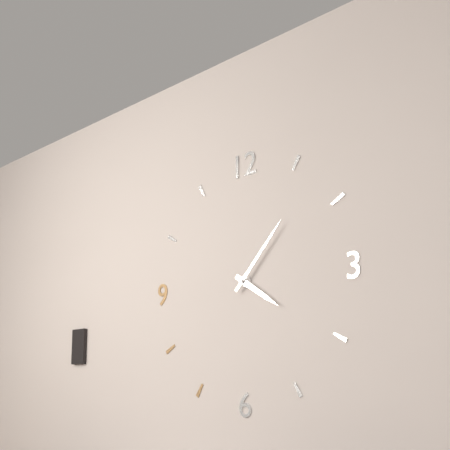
4,07
